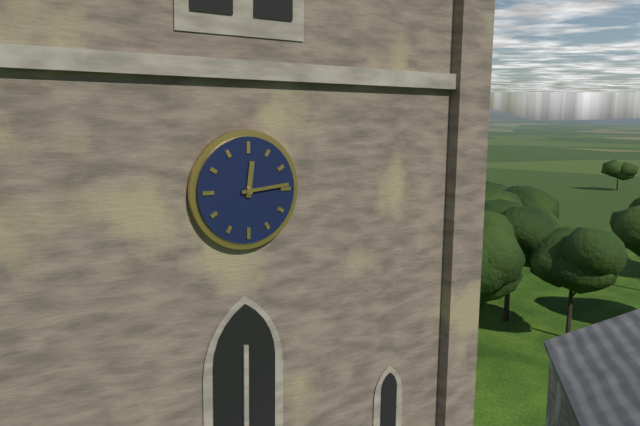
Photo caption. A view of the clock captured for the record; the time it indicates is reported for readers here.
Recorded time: 12:14
